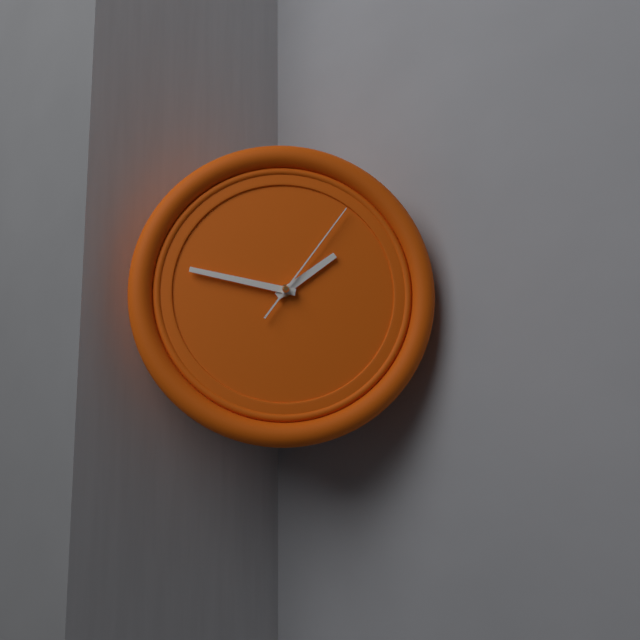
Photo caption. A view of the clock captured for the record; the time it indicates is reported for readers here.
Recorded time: 1:47:06
